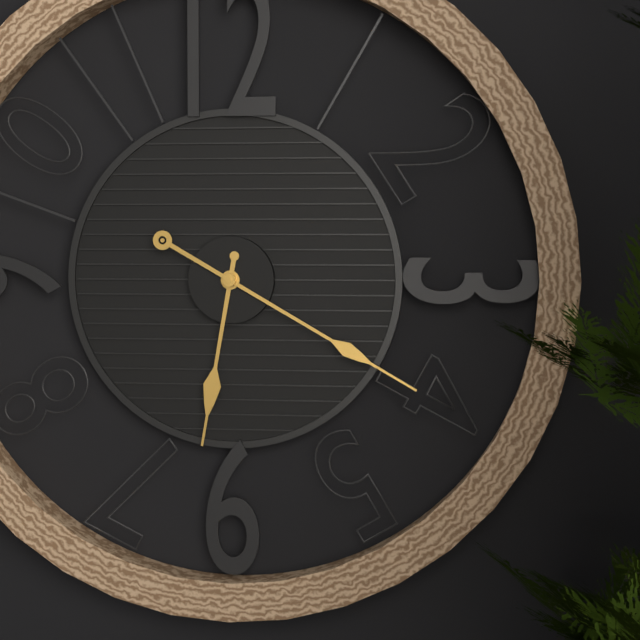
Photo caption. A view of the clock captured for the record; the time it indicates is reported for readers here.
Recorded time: 6:20
